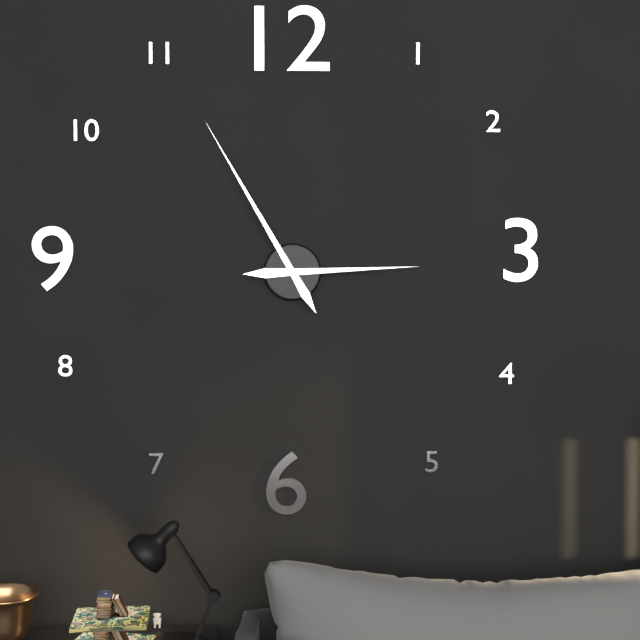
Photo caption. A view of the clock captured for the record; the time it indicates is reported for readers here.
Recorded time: 2:55
